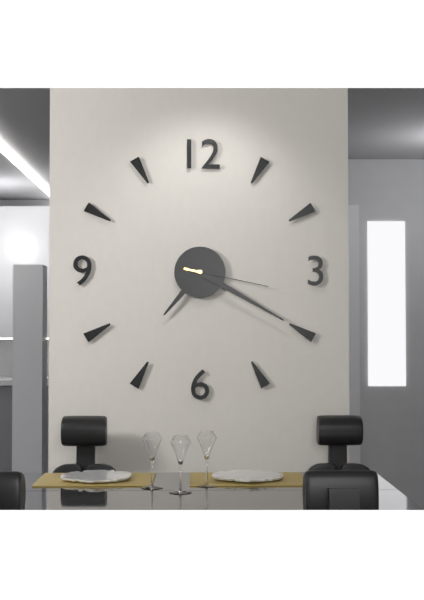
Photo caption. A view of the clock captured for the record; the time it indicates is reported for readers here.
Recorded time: 7:20:17
